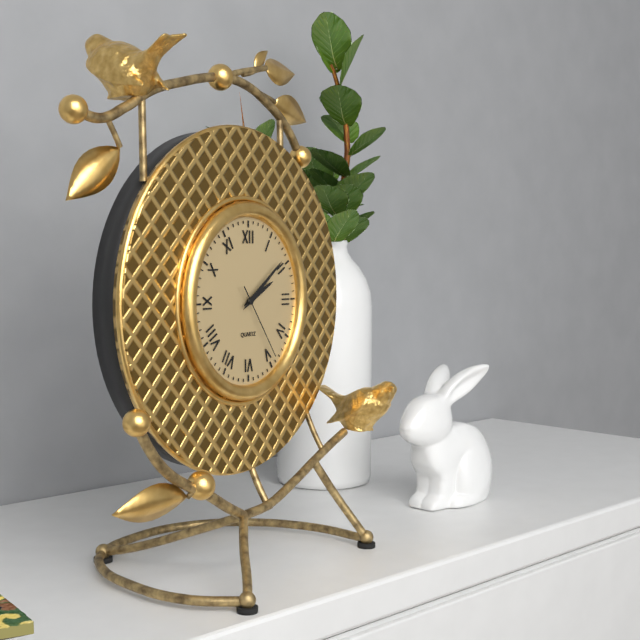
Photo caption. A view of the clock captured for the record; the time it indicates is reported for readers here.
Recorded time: 2:09:24
